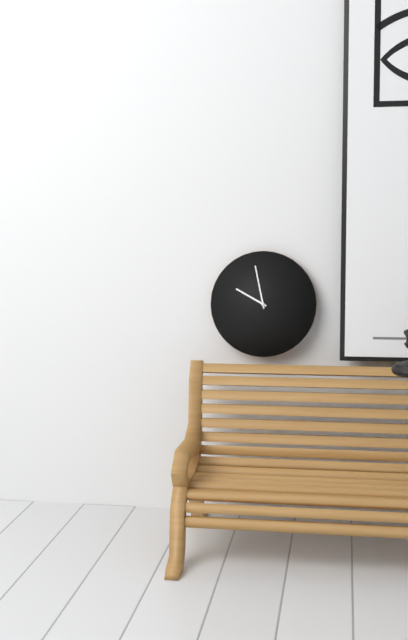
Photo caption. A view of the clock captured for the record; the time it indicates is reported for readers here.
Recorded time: 9:58
